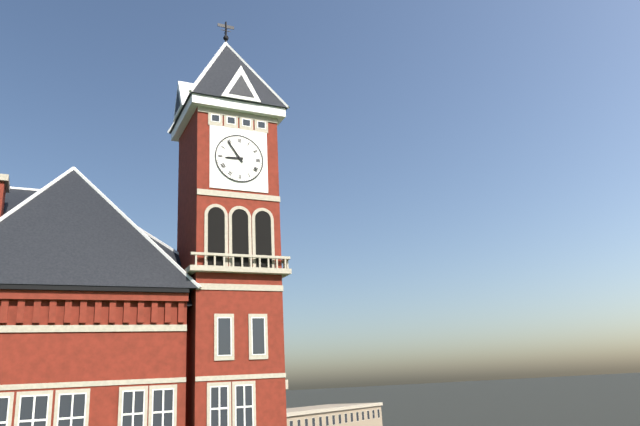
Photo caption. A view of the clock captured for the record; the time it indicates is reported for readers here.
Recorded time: 8:54
